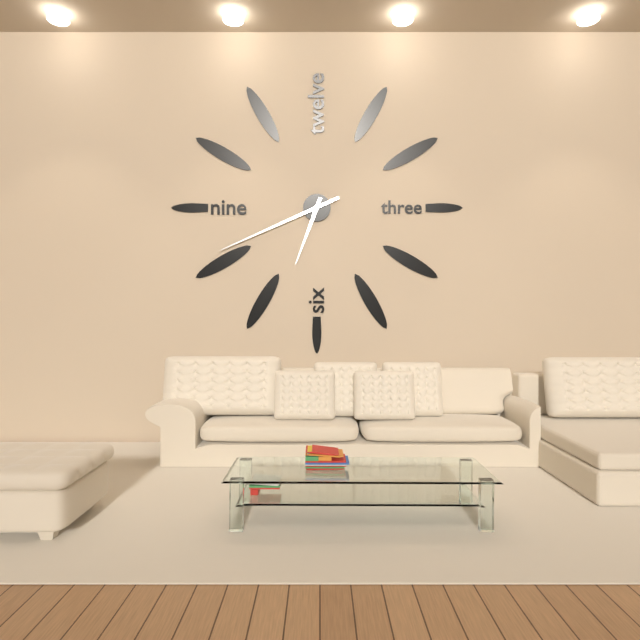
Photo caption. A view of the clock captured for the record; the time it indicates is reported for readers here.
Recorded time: 6:41
